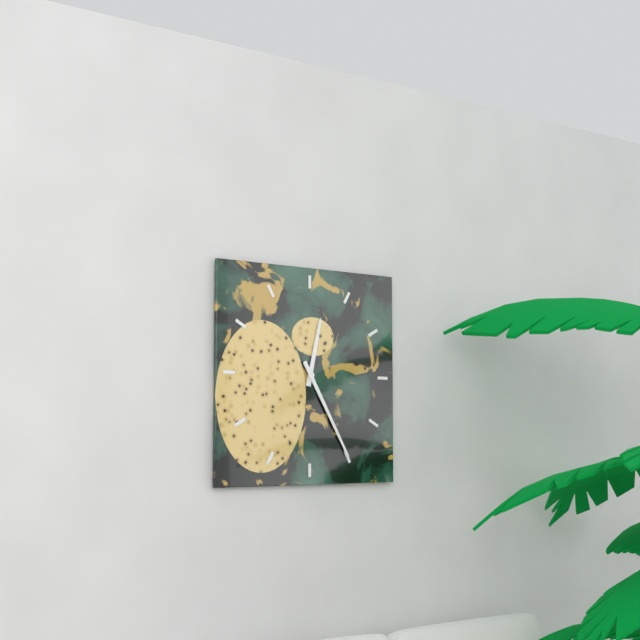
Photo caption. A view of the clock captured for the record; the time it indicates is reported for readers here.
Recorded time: 12:25
